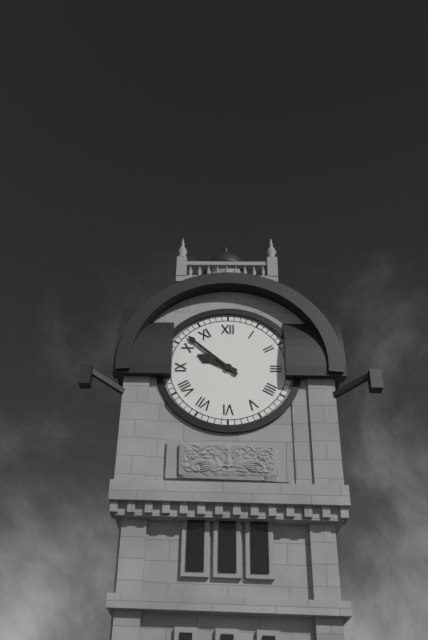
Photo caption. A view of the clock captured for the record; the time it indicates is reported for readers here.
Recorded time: 9:52
